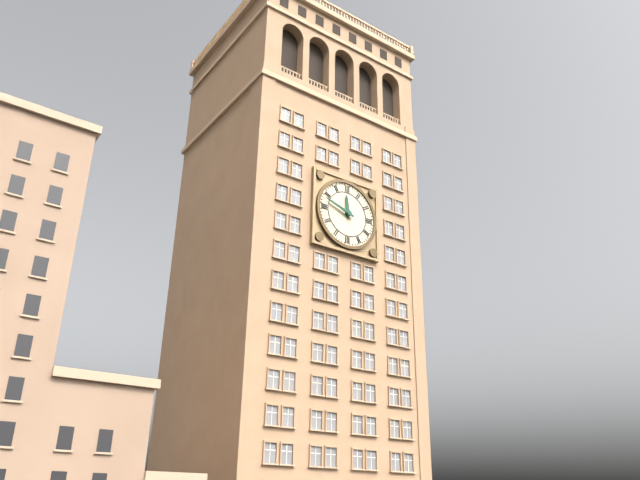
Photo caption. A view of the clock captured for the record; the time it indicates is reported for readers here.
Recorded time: 11:48
